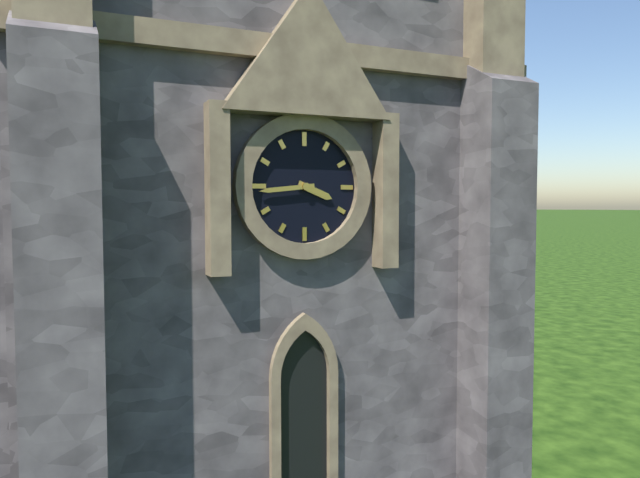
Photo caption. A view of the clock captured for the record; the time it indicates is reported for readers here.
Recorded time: 3:44
